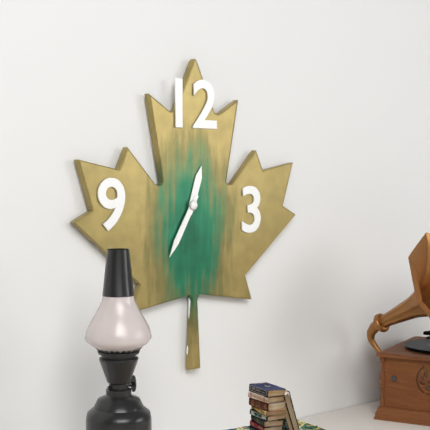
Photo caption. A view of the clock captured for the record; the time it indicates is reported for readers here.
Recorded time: 12:35
